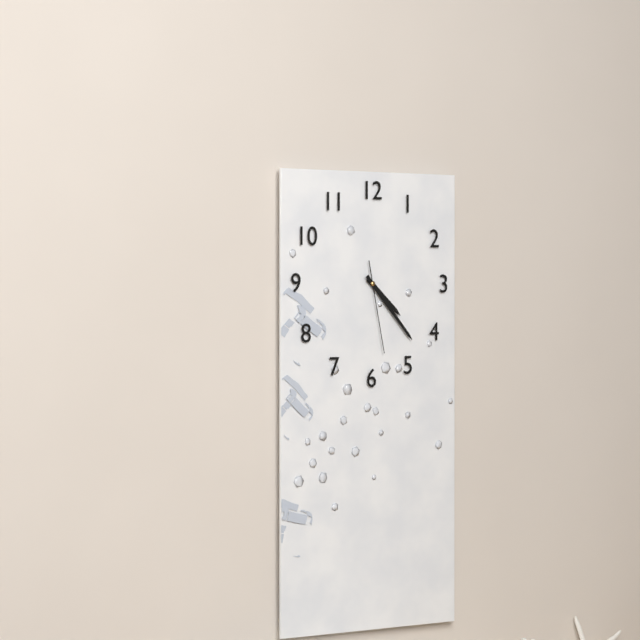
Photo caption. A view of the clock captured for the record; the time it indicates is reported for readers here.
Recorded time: 4:23:28
